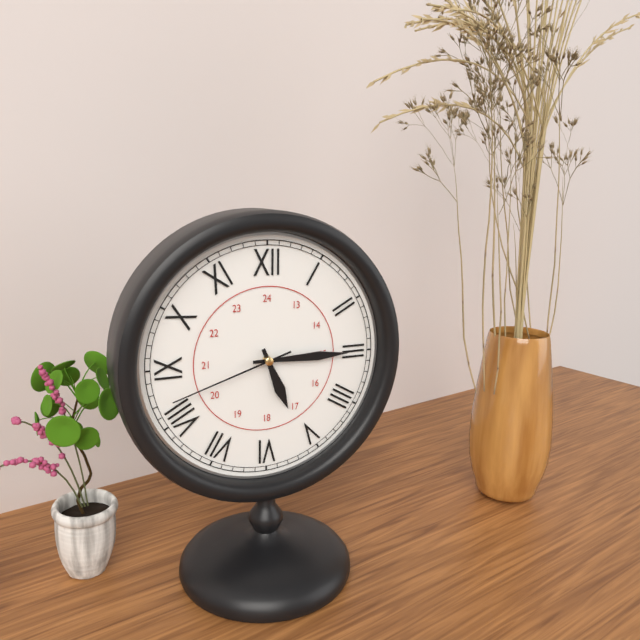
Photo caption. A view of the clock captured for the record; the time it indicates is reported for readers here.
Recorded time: 5:15:42
